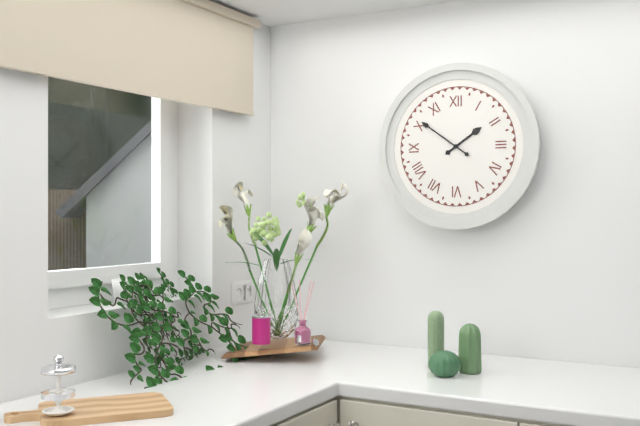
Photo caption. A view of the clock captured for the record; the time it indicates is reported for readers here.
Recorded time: 1:51
